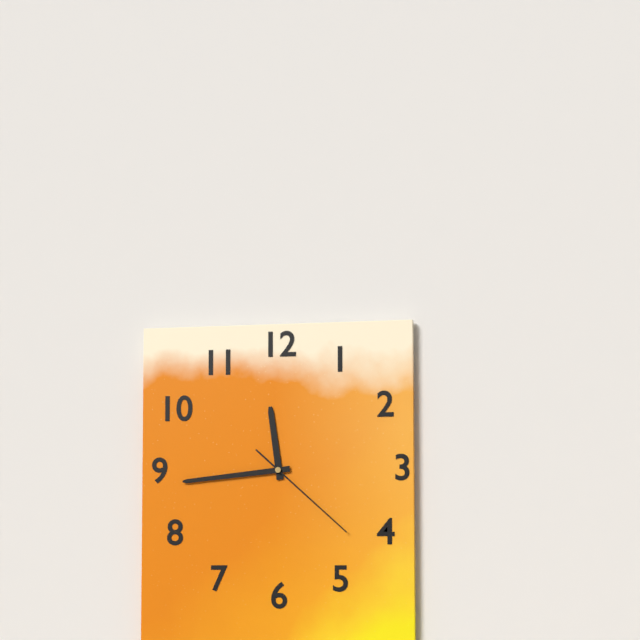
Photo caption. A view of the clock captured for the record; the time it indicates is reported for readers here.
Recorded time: 11:44:22
